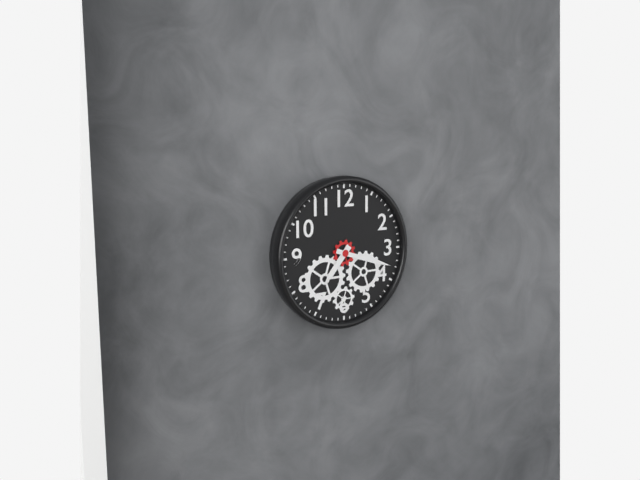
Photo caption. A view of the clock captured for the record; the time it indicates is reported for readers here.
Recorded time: 7:18
